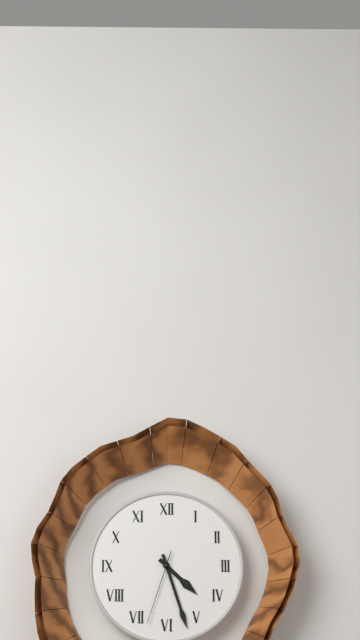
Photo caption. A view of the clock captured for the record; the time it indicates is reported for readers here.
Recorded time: 4:27:33
